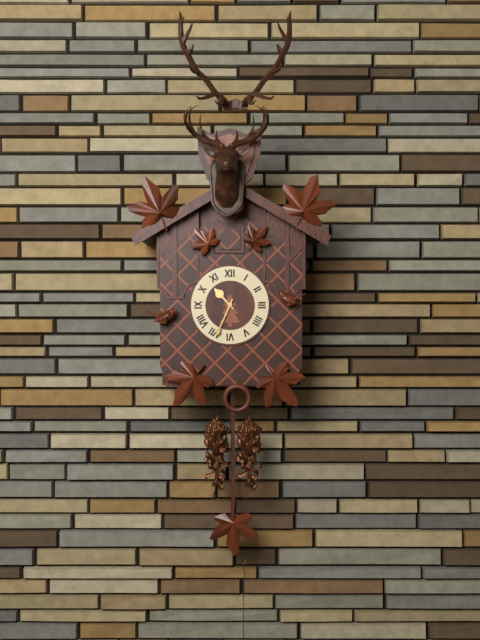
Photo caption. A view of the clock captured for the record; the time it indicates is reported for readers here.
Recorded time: 10:34
